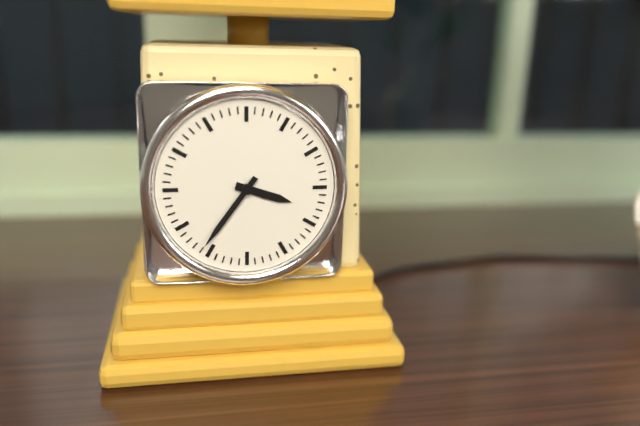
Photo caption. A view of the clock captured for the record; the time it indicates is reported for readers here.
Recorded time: 3:36
